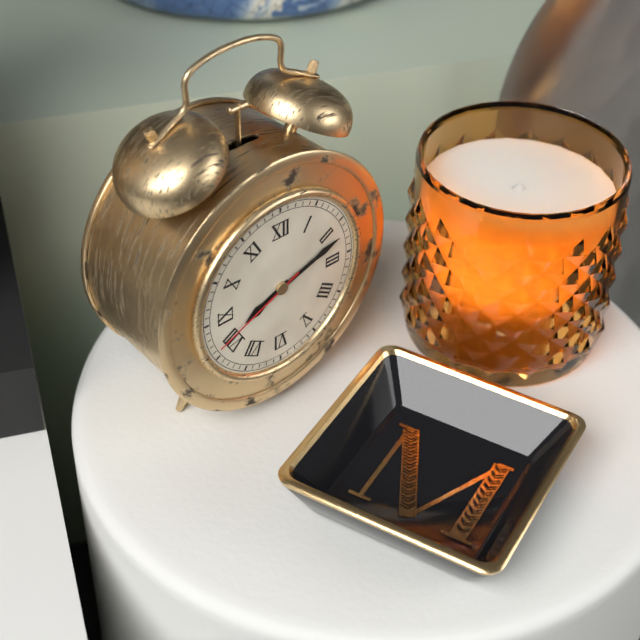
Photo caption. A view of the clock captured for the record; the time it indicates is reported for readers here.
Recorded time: 8:12:41
